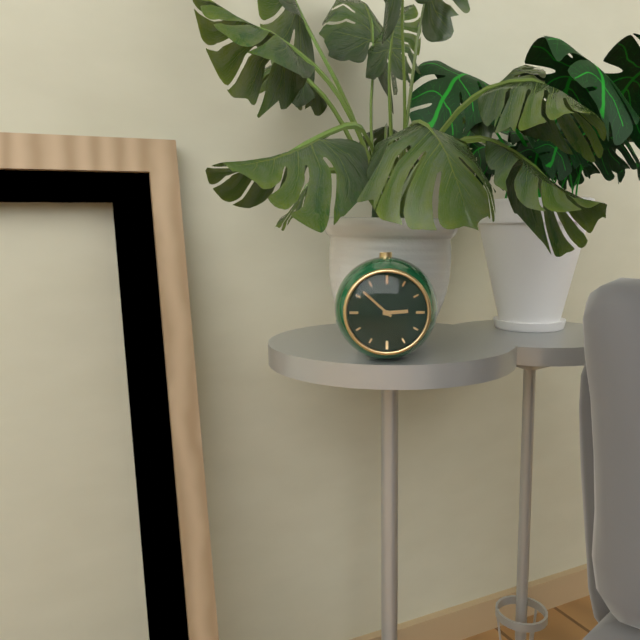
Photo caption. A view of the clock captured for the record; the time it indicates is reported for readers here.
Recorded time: 2:52
